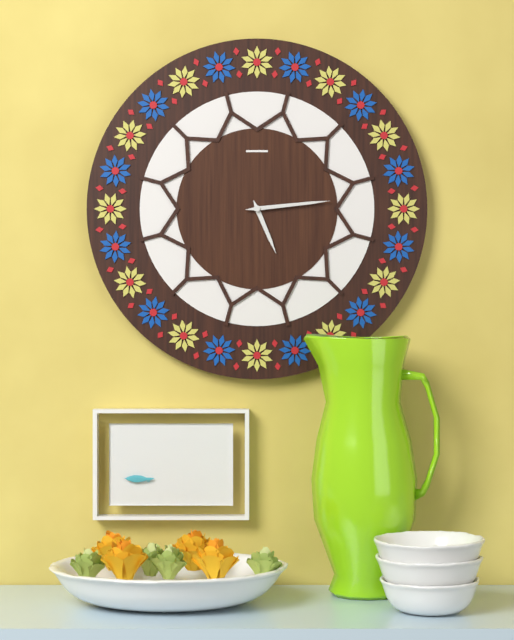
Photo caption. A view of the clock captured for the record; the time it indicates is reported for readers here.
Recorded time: 5:14
